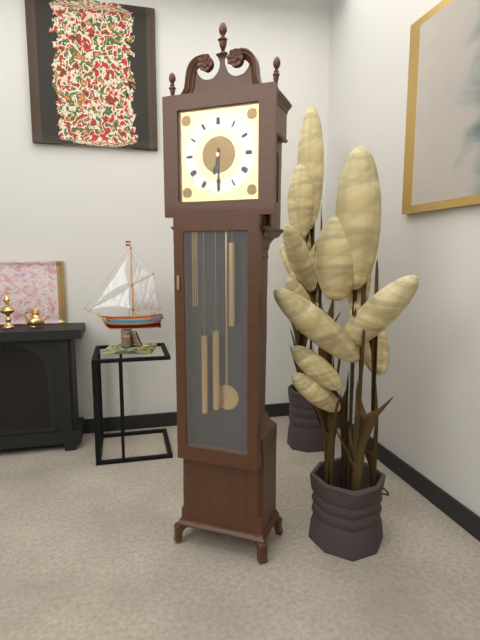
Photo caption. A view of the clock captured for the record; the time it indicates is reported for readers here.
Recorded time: 6:30
